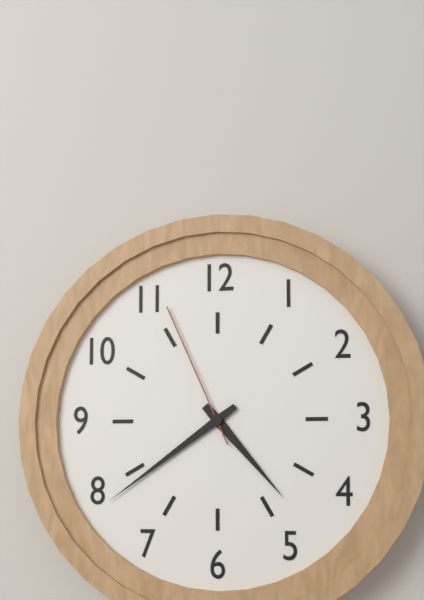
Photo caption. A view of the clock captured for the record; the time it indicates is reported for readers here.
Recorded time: 4:39:56
